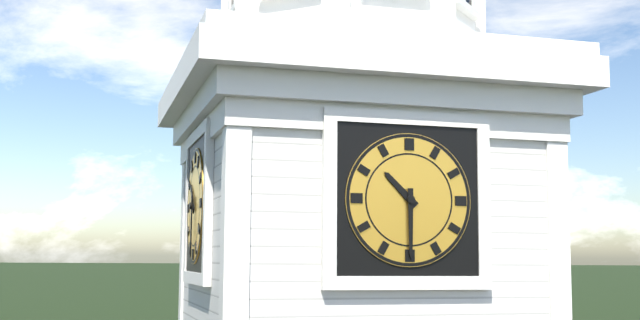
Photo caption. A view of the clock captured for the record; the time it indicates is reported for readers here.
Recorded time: 10:30
